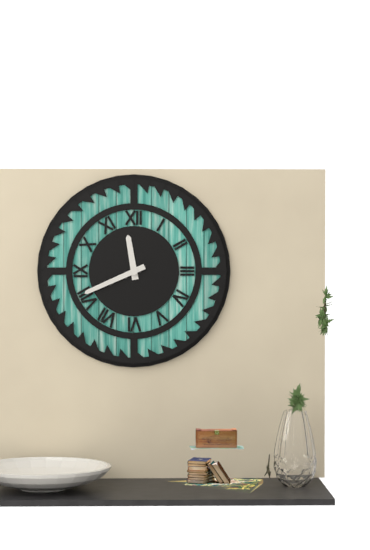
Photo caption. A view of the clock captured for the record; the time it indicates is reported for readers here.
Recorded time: 11:41
